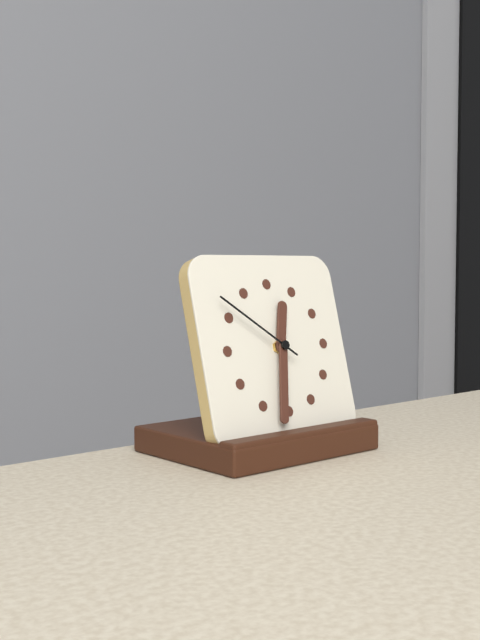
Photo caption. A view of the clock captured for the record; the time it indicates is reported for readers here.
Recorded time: 12:32:51
